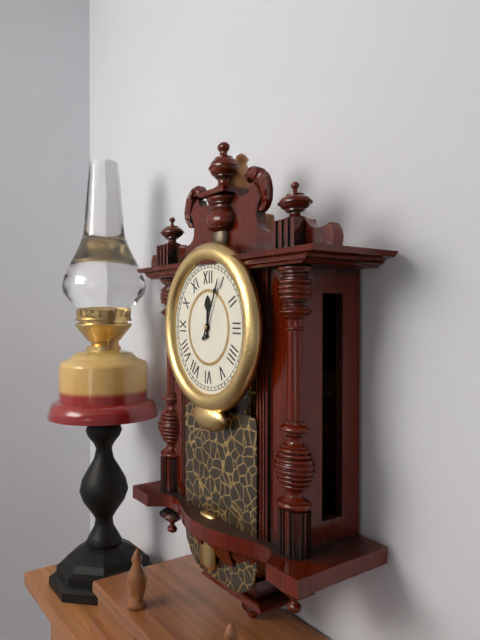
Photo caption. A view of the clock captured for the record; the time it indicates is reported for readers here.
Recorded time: 12:04
